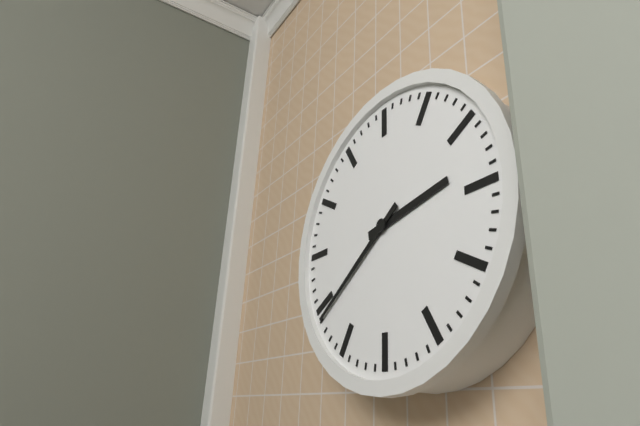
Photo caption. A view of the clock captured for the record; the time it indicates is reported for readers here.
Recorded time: 2:39
